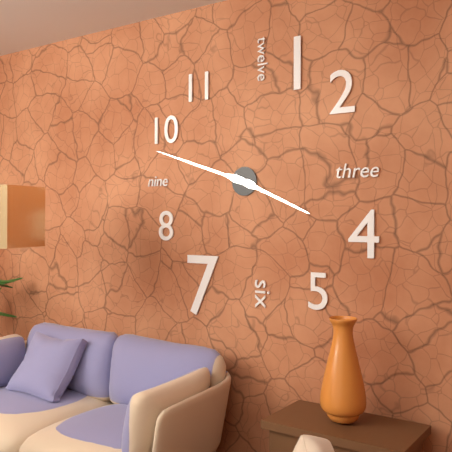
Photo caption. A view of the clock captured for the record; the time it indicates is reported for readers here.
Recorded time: 3:48
